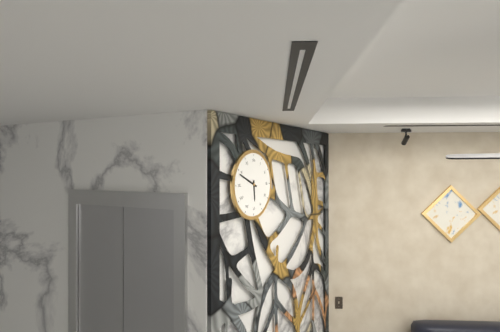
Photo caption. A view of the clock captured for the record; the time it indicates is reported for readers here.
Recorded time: 5:49
